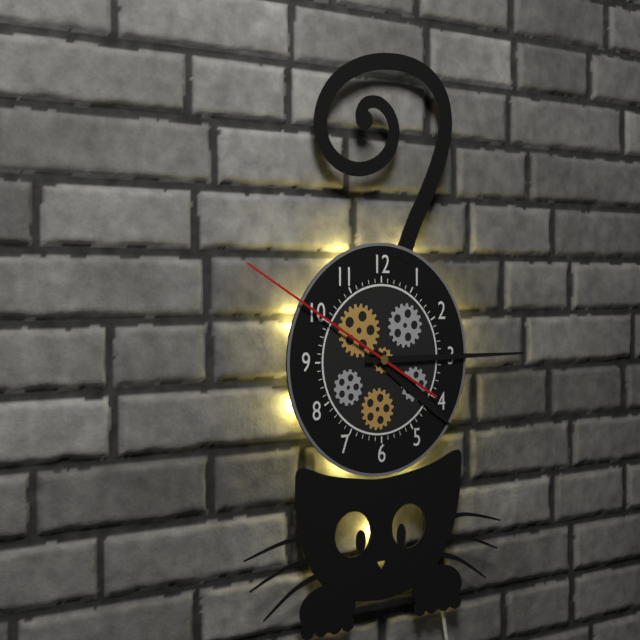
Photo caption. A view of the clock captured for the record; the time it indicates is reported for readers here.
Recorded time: 4:15:50
